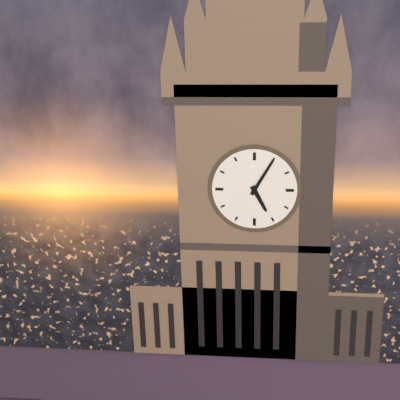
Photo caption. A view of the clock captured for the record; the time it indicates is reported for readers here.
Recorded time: 5:05
